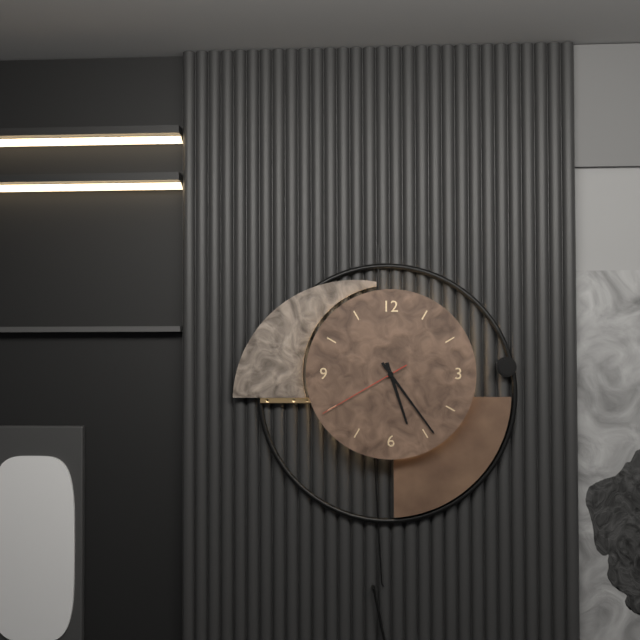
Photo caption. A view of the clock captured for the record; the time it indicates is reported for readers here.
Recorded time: 5:24:40
